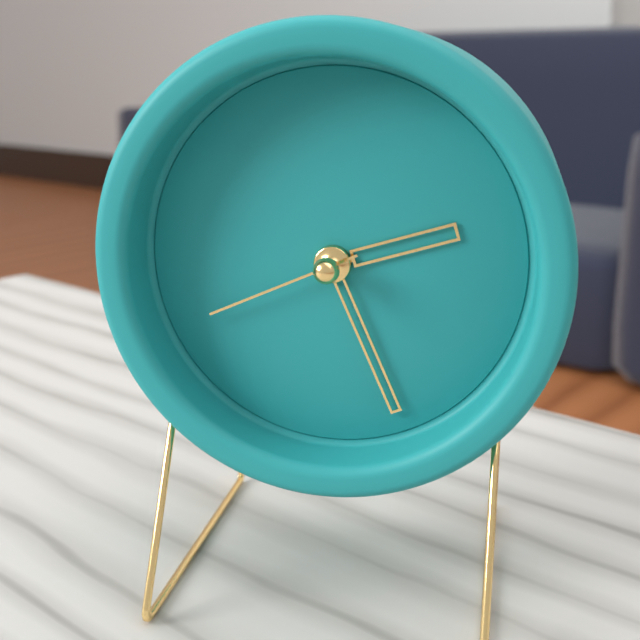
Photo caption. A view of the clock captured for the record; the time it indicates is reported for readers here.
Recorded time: 2:26:41
